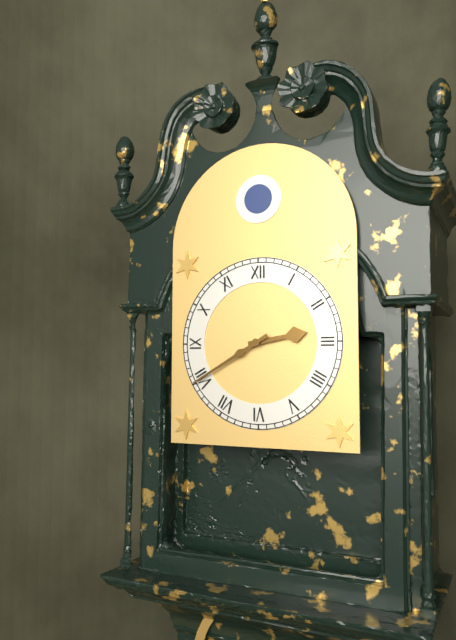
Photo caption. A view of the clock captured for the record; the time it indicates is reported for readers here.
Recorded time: 2:40
